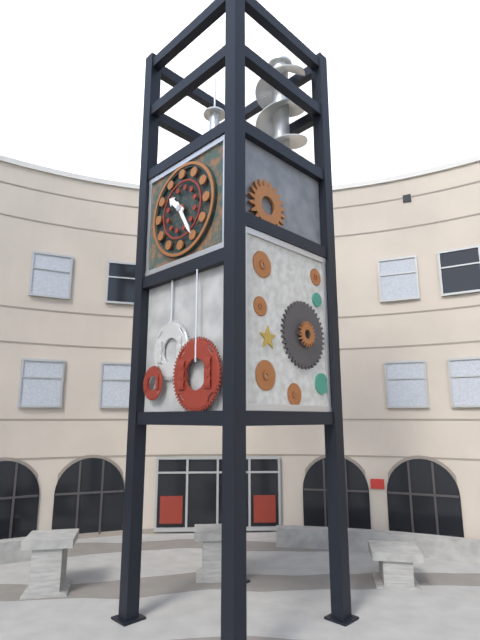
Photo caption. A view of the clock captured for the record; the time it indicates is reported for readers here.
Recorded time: 10:25
